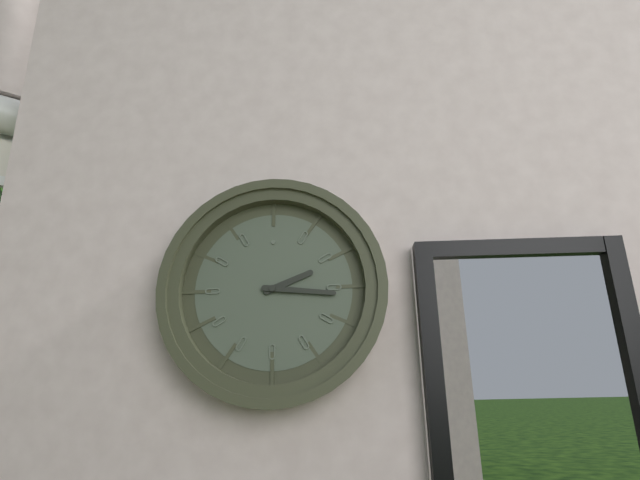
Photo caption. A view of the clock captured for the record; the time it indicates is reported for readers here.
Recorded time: 2:16
